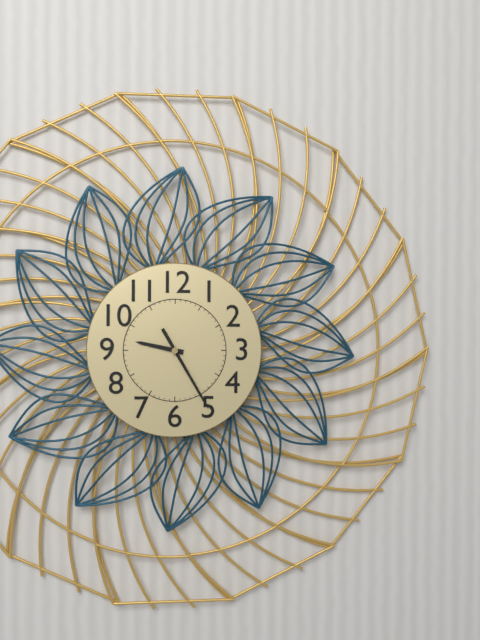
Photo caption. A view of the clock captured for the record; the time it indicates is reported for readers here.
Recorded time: 9:25
